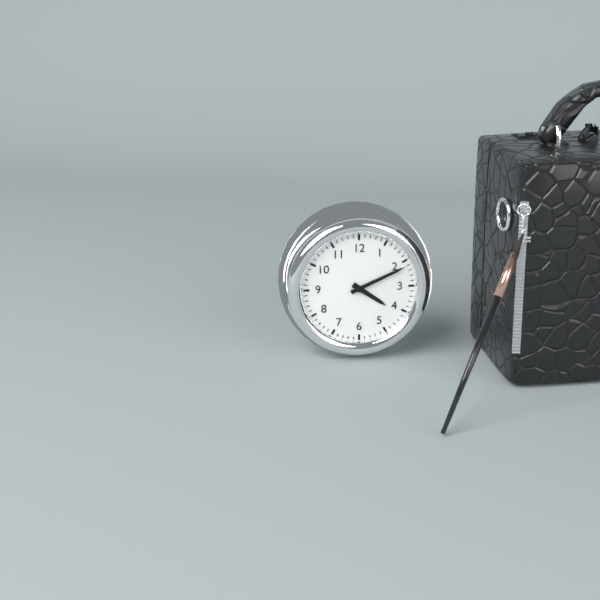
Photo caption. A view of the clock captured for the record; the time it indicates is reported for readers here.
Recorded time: 4:11
